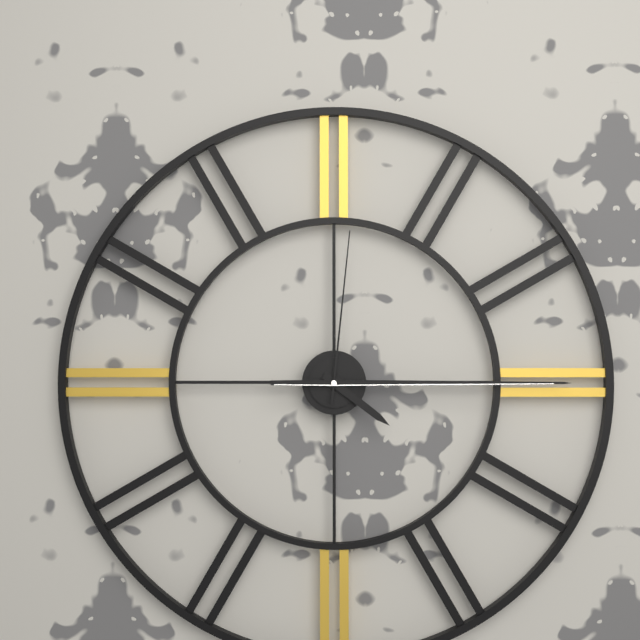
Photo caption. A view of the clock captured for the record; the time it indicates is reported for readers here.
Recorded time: 4:15:01
